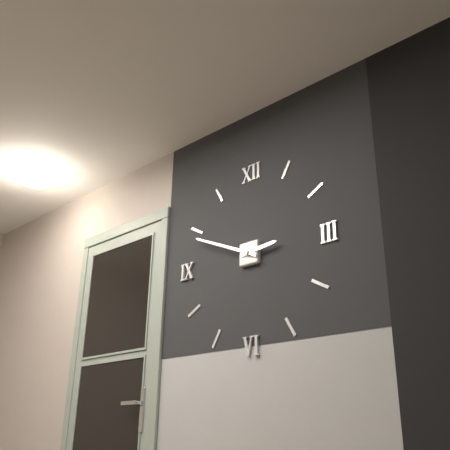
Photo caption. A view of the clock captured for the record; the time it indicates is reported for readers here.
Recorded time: 2:49
